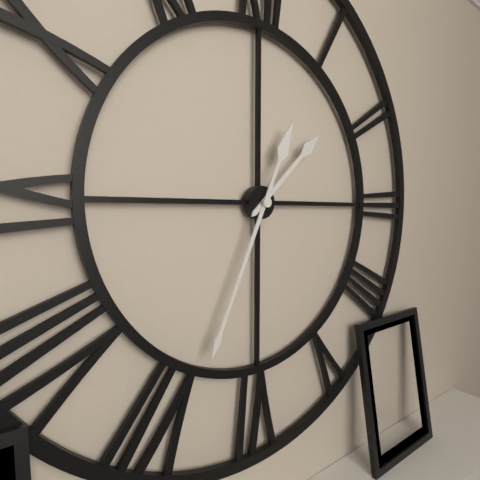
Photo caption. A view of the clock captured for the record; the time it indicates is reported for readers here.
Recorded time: 1:34
